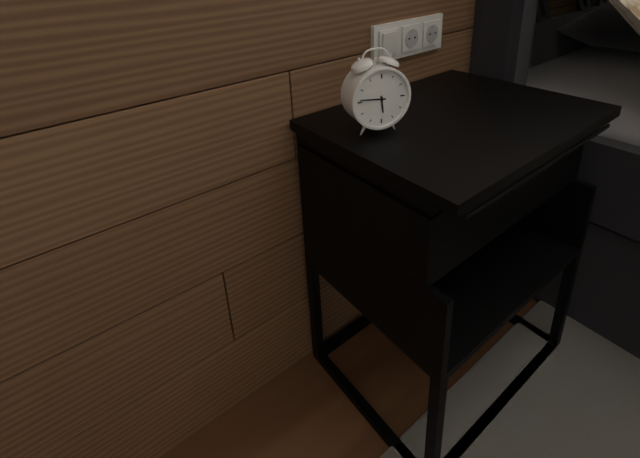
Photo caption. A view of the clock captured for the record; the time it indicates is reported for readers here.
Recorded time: 5:46
